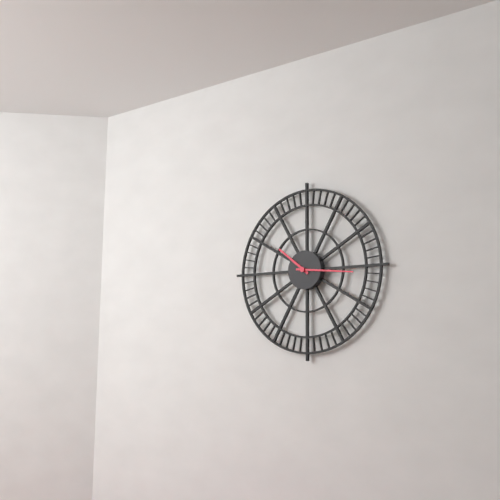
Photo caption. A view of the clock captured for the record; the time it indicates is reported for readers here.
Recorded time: 10:16
